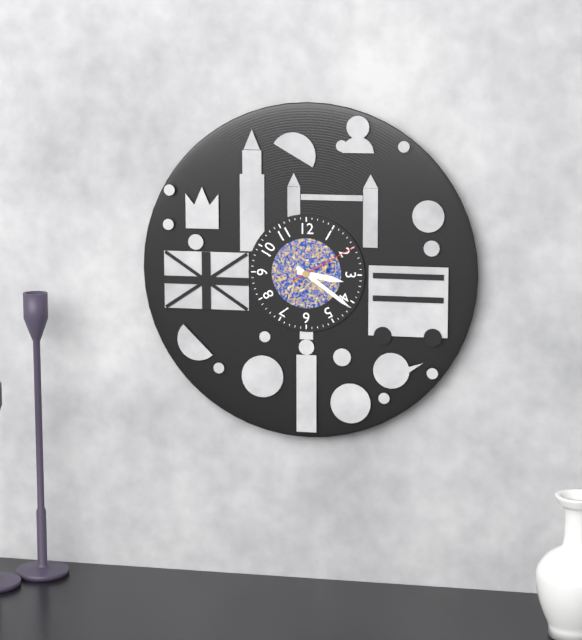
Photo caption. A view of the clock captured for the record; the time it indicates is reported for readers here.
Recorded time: 3:21:10
